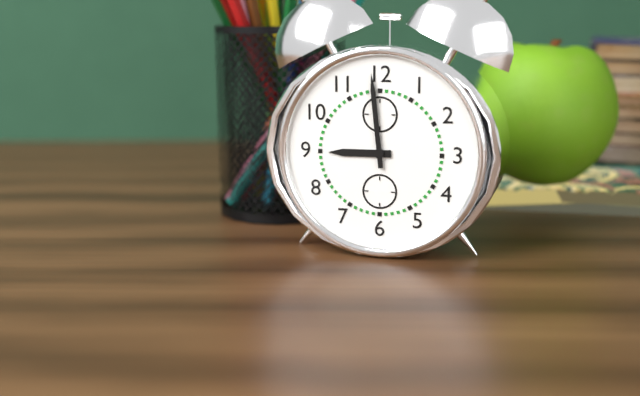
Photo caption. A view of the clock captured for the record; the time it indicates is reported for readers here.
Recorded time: 8:59
